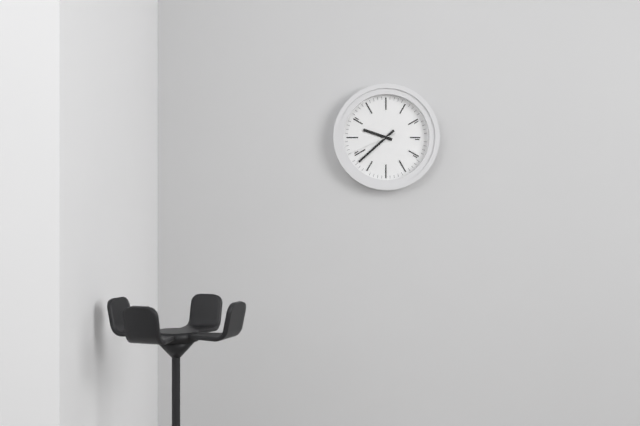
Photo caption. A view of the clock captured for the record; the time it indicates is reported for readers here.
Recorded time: 9:38
